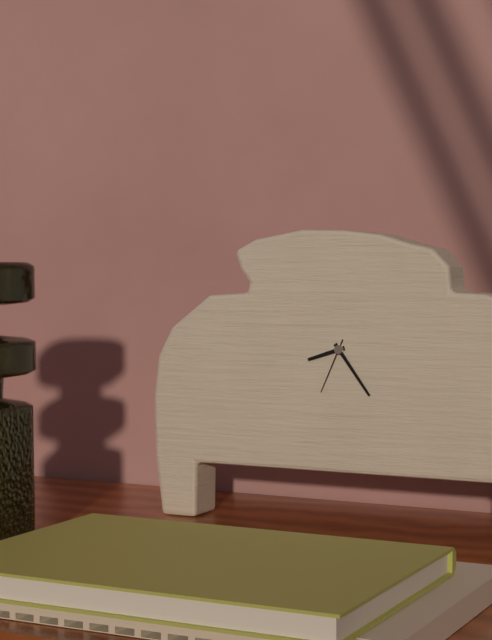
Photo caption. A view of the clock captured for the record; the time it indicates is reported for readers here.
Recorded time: 8:24:34
